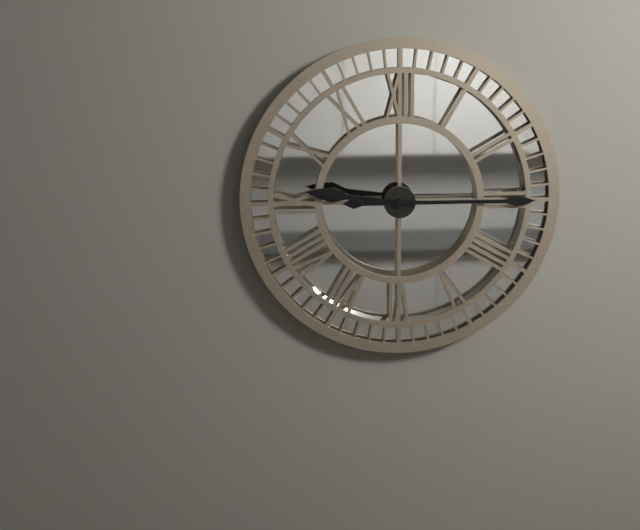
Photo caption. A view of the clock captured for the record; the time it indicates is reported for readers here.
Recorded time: 9:15
